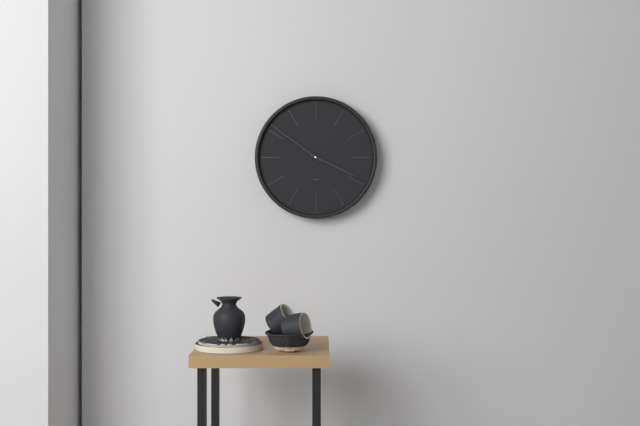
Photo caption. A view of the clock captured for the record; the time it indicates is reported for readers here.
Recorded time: 3:51
